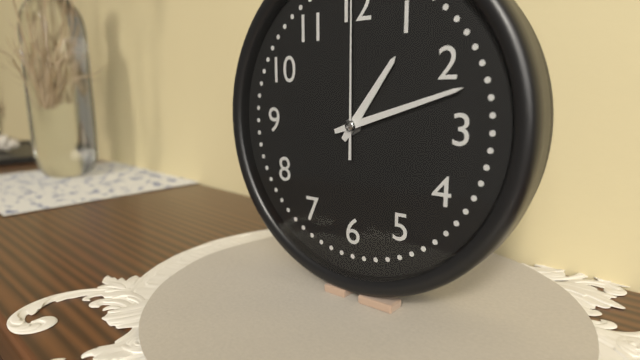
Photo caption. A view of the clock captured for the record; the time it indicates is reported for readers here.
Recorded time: 1:12
